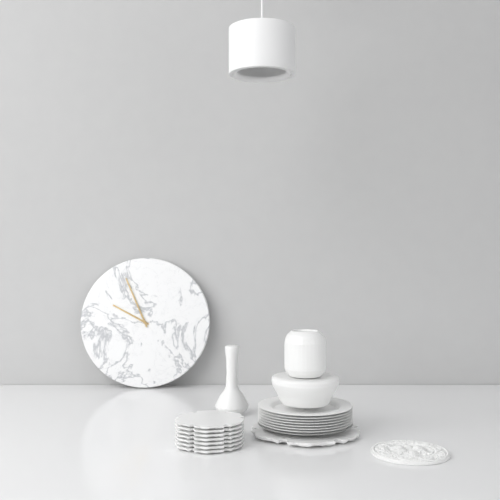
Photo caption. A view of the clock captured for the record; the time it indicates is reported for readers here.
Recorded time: 9:56
